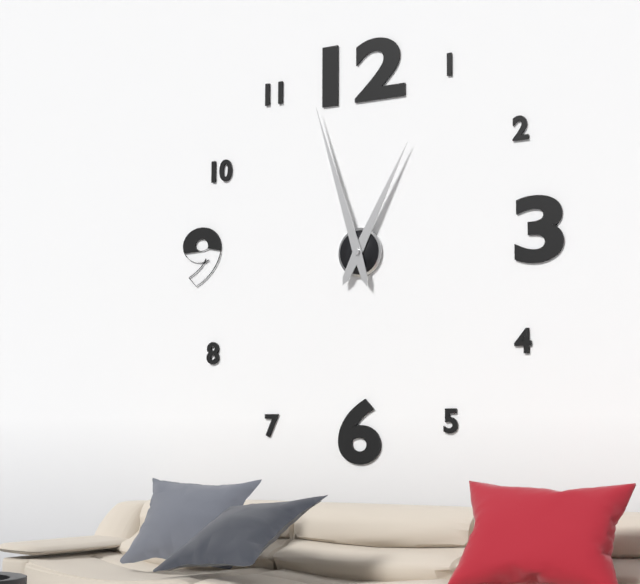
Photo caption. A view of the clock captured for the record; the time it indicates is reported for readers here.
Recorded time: 12:57
